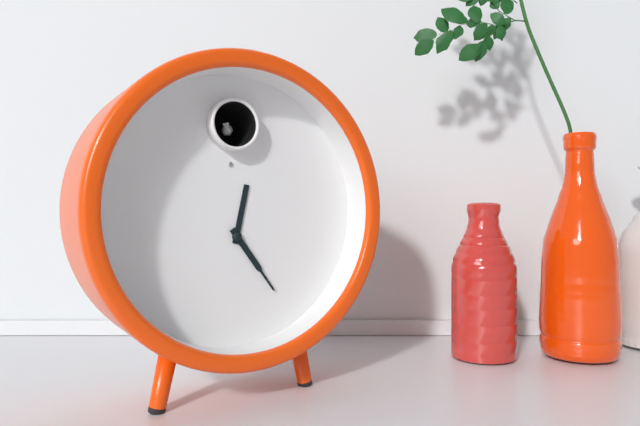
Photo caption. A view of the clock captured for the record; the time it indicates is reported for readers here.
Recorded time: 12:24
